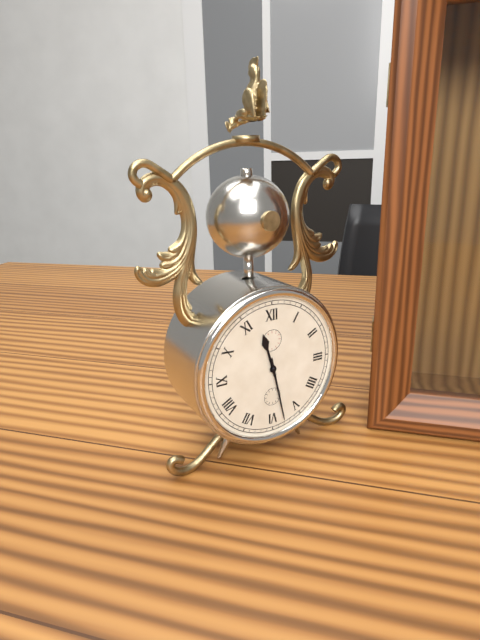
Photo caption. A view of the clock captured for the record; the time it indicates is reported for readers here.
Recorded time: 11:28
